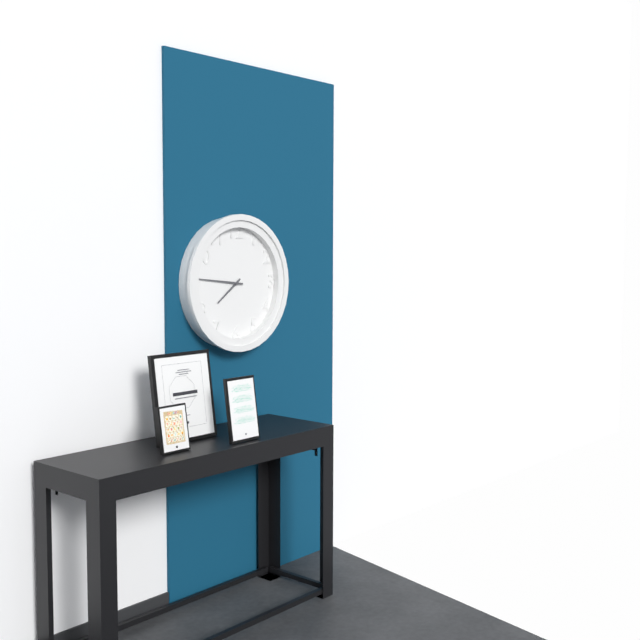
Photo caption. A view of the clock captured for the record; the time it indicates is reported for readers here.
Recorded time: 7:46
